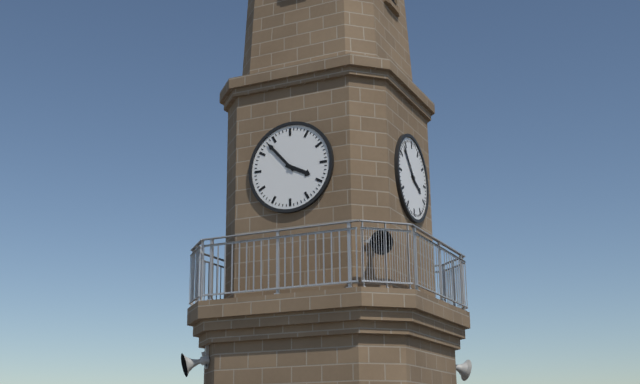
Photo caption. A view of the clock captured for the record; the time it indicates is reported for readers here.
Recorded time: 3:53
